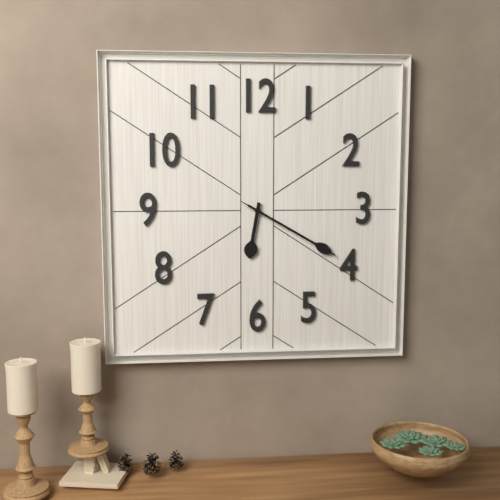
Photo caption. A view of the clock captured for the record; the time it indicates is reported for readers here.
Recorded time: 6:20:20
